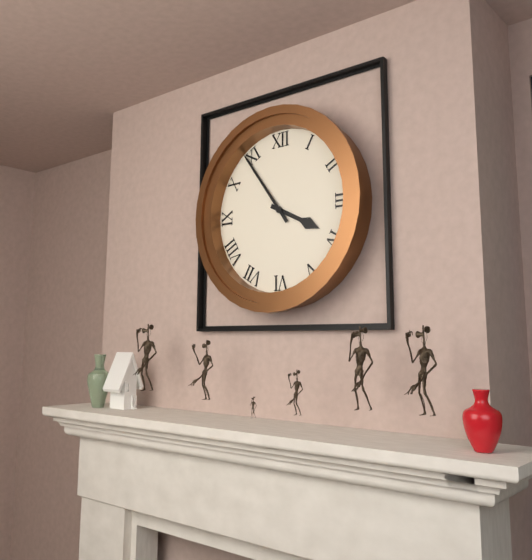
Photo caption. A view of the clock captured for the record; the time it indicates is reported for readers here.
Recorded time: 3:54
